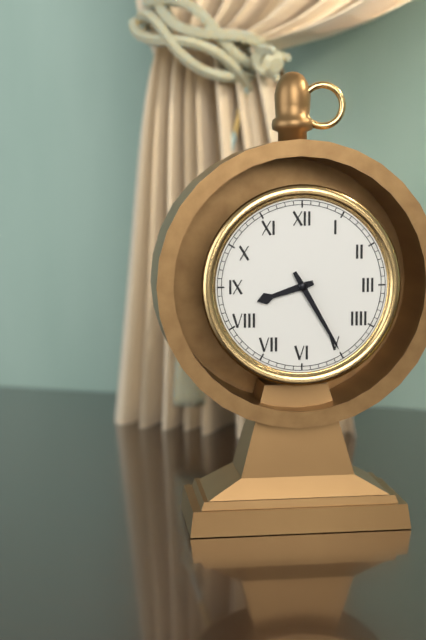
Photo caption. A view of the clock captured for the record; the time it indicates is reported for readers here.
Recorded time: 8:25
